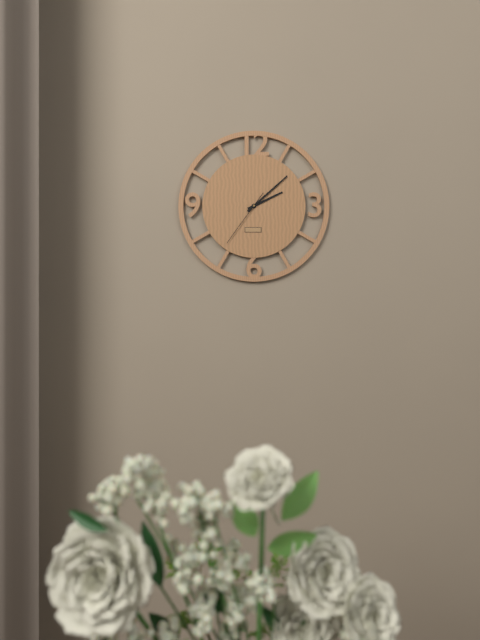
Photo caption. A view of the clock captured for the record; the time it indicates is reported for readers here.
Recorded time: 2:08:36
